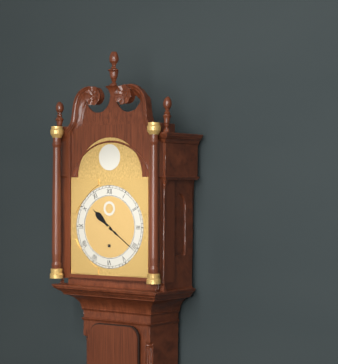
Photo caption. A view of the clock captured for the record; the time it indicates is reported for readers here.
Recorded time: 10:21
